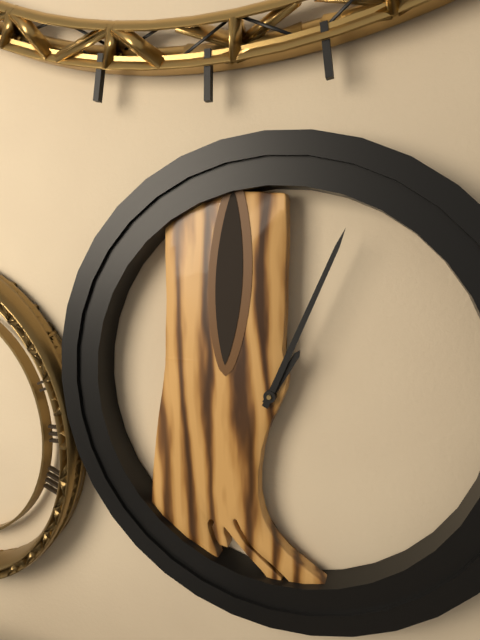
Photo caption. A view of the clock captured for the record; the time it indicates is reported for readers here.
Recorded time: 1:04
